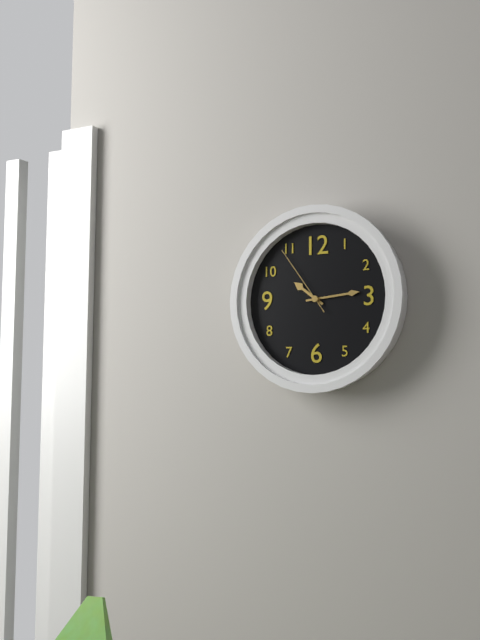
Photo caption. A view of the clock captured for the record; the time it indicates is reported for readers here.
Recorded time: 10:14:54
